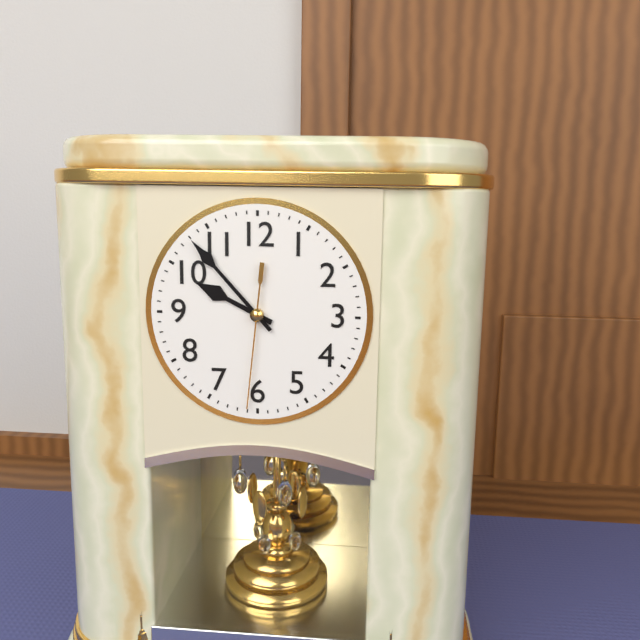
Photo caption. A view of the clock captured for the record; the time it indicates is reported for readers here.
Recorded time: 9:53:31
